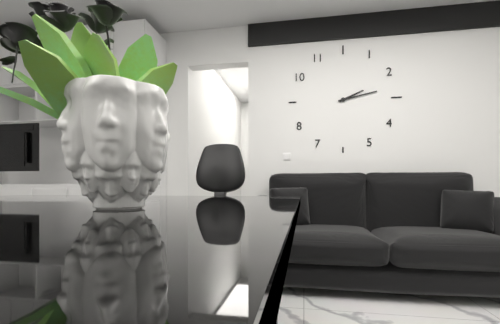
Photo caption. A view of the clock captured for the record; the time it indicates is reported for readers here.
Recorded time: 2:13
